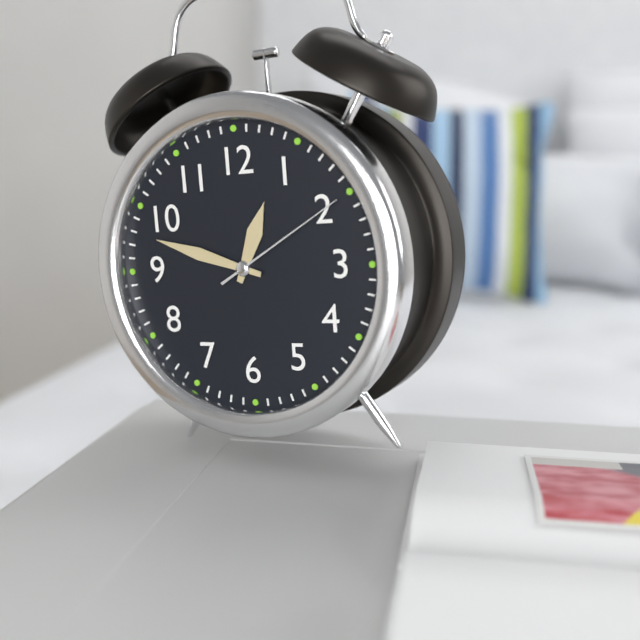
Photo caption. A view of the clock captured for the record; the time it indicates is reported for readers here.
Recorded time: 12:48:10
